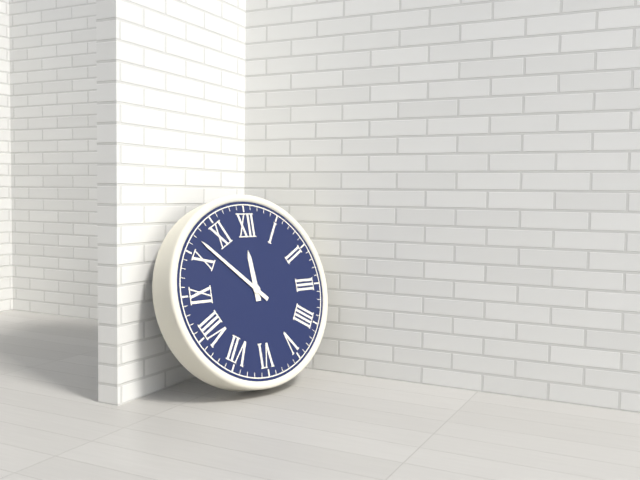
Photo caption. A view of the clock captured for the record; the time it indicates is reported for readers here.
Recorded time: 11:52
